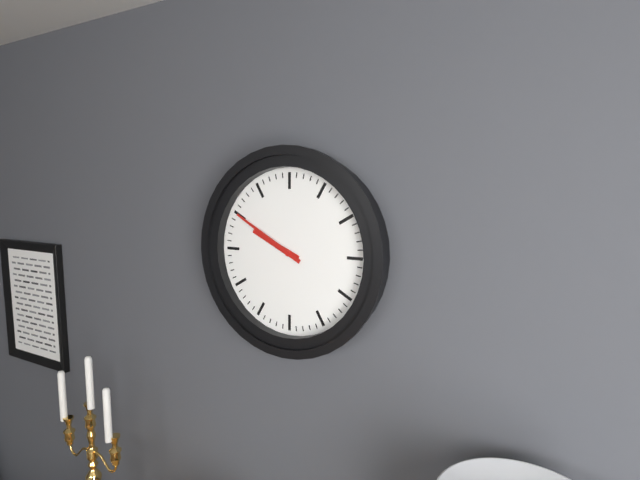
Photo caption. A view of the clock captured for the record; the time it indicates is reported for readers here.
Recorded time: 9:50
